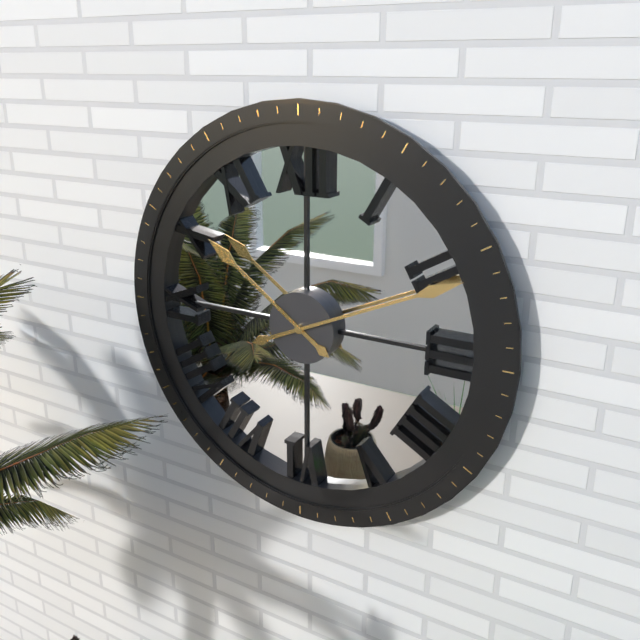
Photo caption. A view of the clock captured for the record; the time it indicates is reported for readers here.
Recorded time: 10:11
